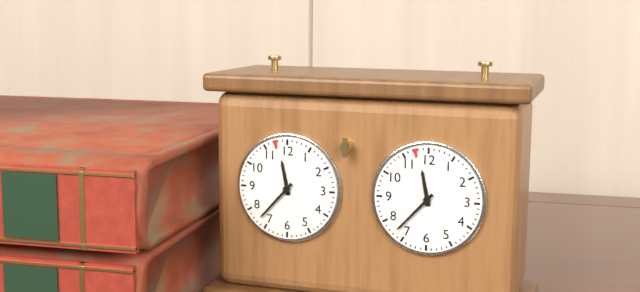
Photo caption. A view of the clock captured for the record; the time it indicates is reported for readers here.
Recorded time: 11:37
